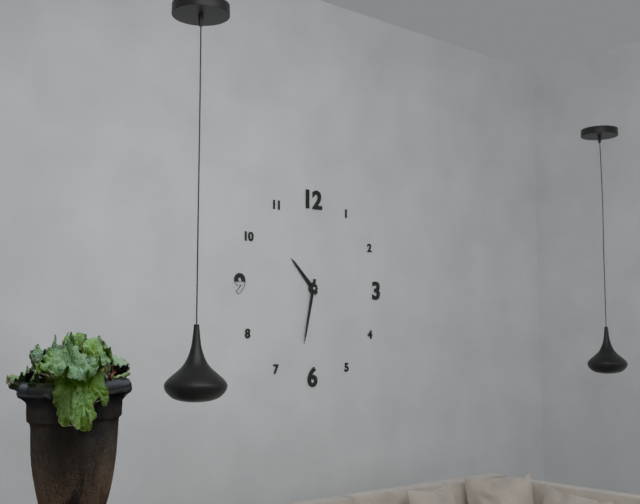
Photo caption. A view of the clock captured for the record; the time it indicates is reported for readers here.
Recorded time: 10:32
